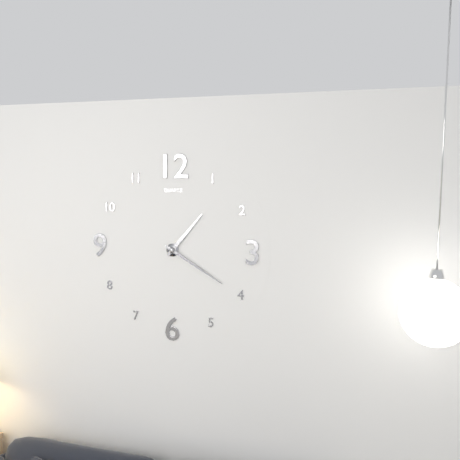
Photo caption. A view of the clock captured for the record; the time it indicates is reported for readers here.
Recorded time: 1:20
